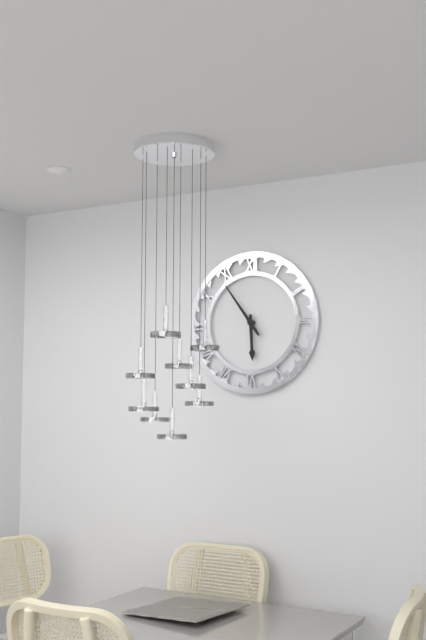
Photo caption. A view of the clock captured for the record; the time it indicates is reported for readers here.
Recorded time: 5:54
